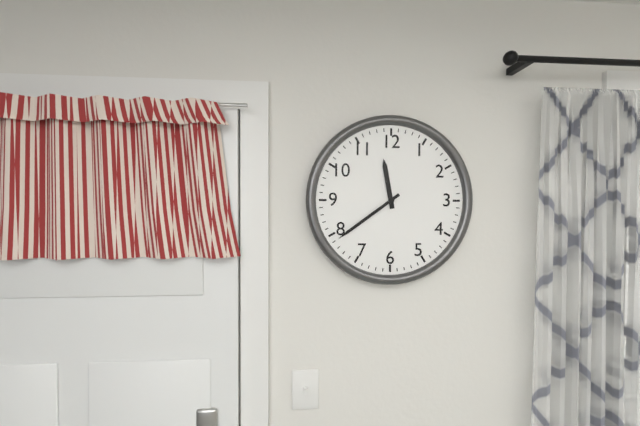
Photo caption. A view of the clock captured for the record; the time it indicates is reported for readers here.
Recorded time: 11:39
